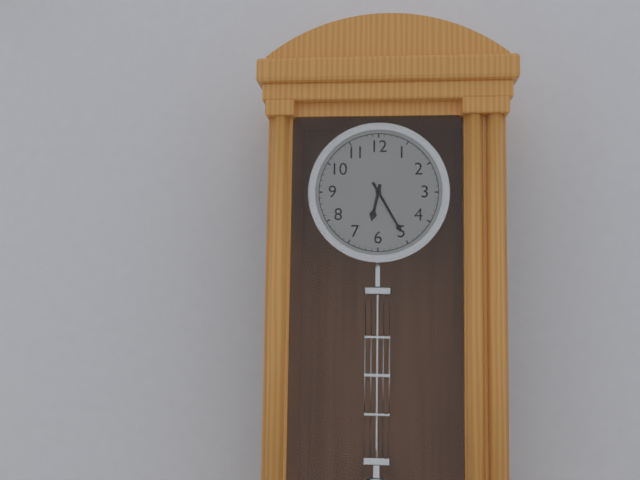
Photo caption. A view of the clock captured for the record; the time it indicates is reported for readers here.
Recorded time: 6:25
